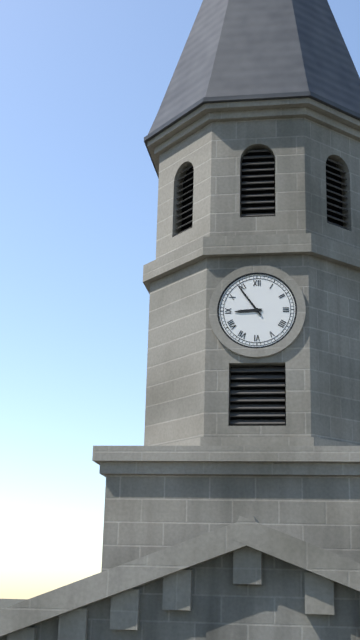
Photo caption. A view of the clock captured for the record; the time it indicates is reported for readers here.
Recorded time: 8:54
